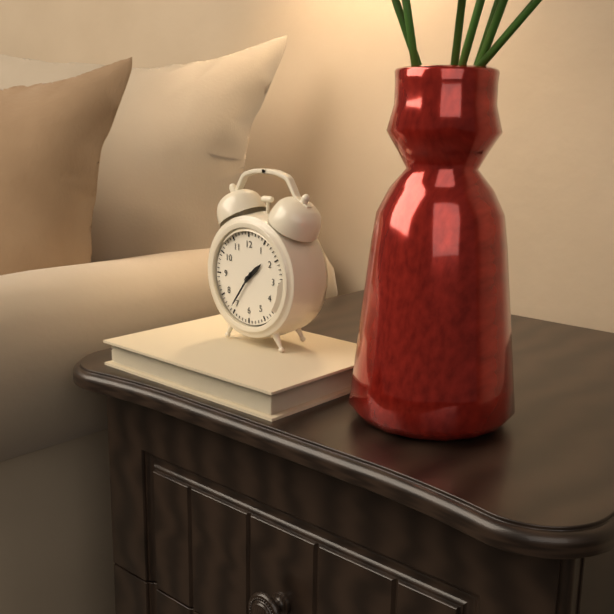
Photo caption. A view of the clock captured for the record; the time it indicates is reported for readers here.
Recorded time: 1:36
